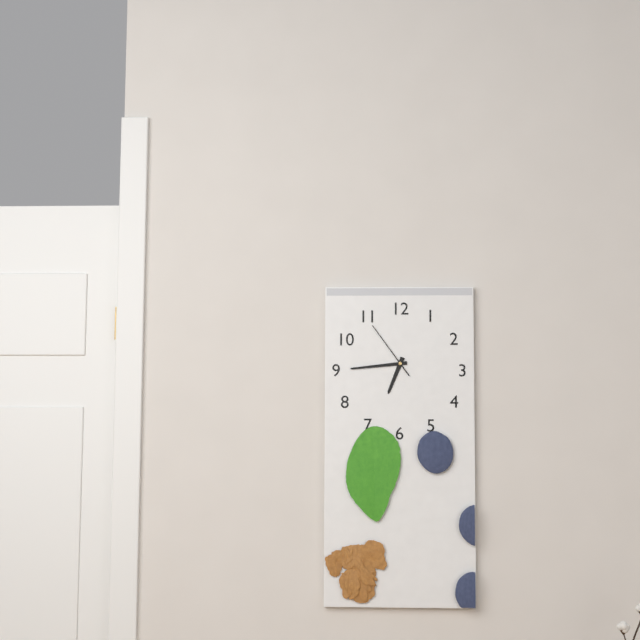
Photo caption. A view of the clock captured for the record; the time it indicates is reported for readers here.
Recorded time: 6:44:54
